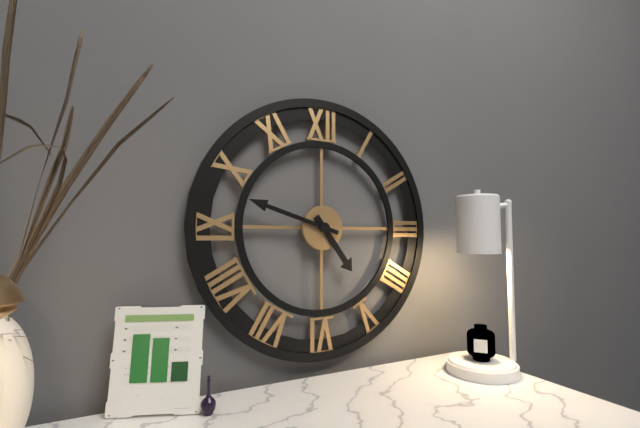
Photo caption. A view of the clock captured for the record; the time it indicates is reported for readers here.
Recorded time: 4:48
